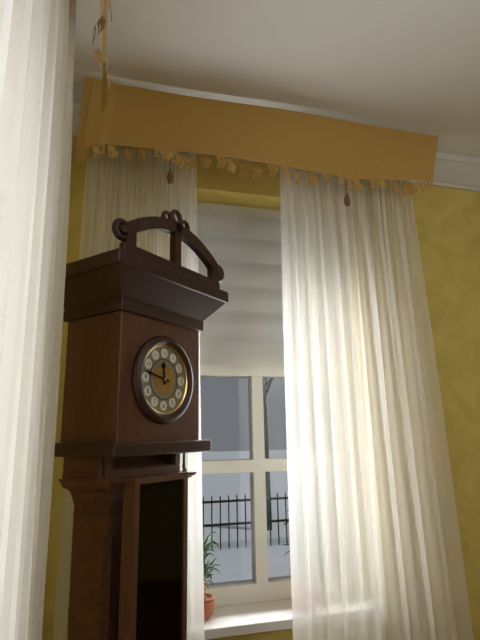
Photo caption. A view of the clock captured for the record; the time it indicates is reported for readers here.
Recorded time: 11:47
